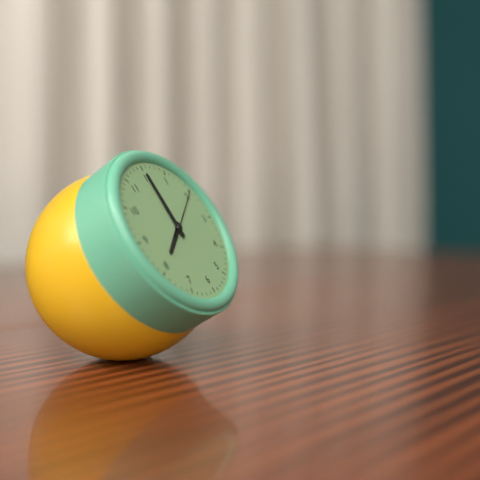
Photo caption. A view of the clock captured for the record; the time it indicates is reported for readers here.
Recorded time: 8:00
